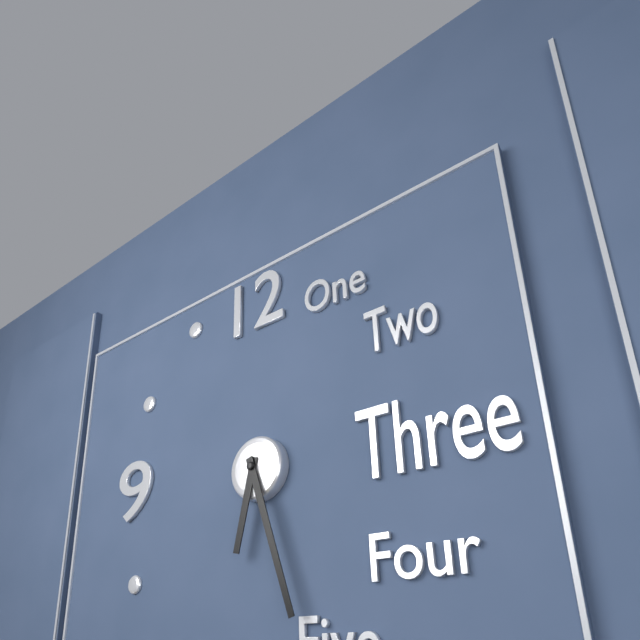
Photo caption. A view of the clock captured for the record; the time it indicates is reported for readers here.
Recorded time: 6:27
